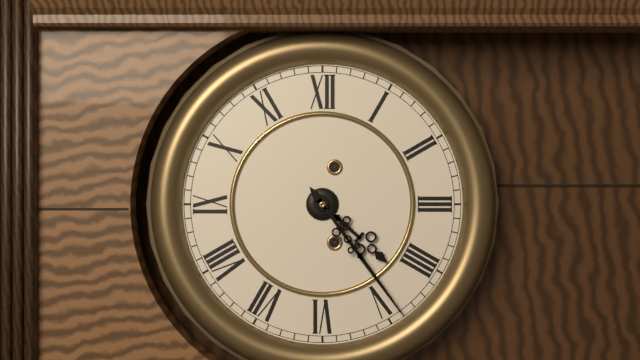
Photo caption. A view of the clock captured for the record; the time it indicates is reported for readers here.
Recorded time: 4:24
